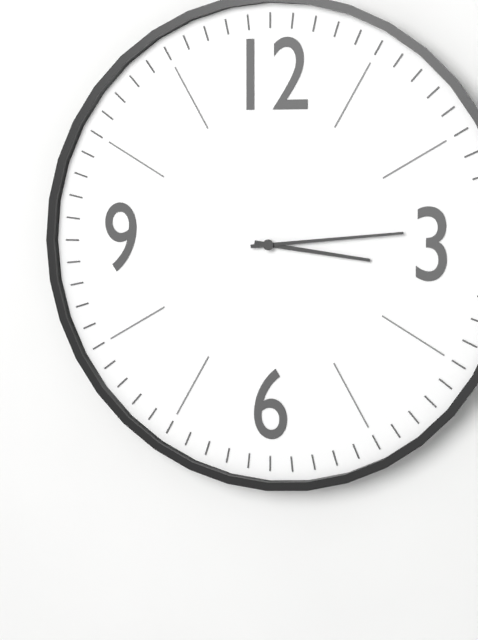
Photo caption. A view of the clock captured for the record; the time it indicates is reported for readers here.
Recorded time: 3:14
